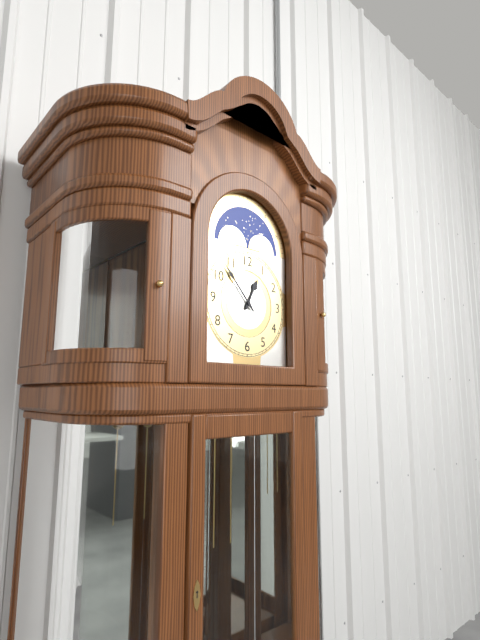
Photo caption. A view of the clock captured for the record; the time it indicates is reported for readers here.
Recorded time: 12:53
